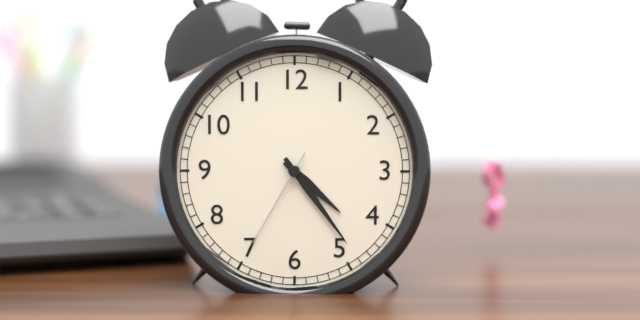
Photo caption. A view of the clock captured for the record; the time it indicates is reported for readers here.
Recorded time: 4:24:35
